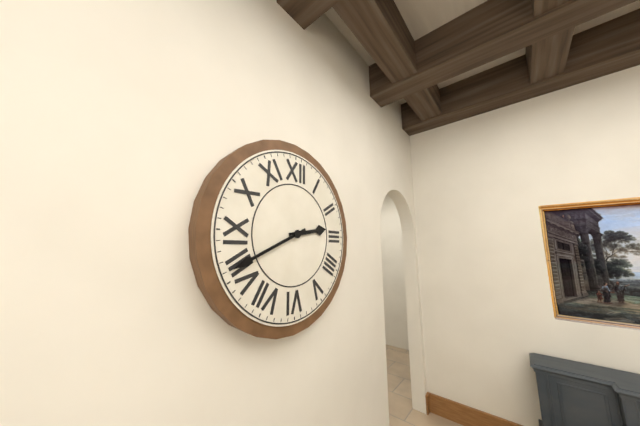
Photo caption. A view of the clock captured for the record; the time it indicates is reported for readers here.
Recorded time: 2:41
